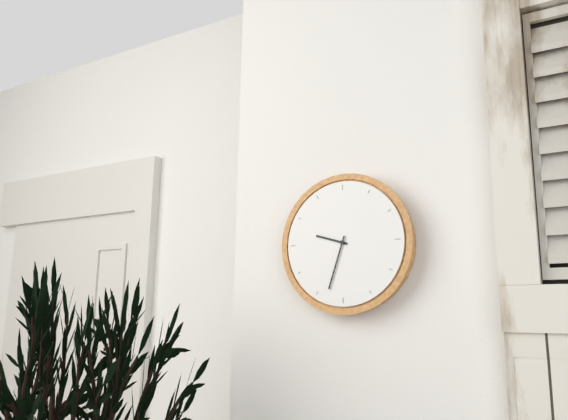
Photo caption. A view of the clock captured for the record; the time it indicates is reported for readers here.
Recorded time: 9:33
